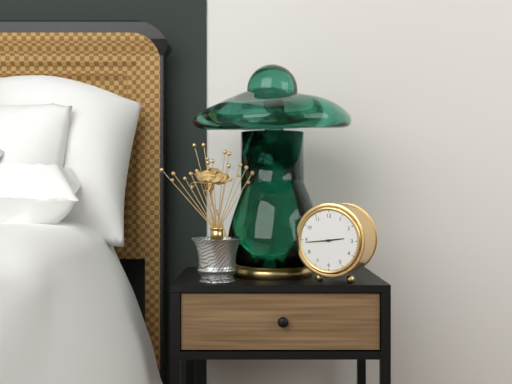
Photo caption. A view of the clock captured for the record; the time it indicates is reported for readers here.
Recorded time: 2:44
